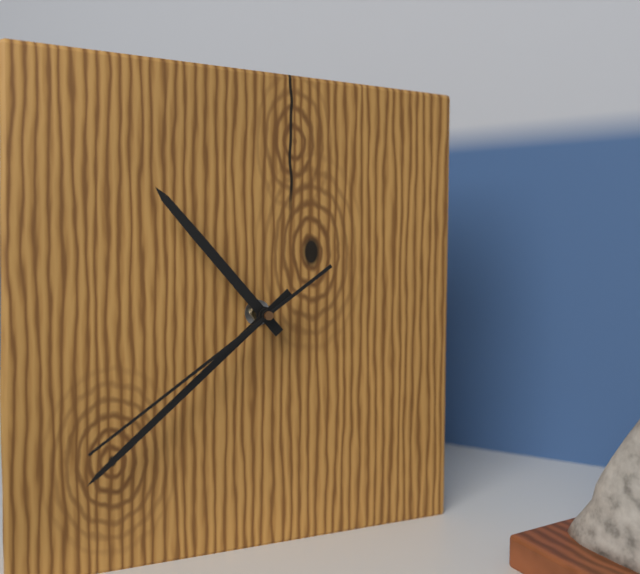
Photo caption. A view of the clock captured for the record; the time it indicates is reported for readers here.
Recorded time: 10:38:39
